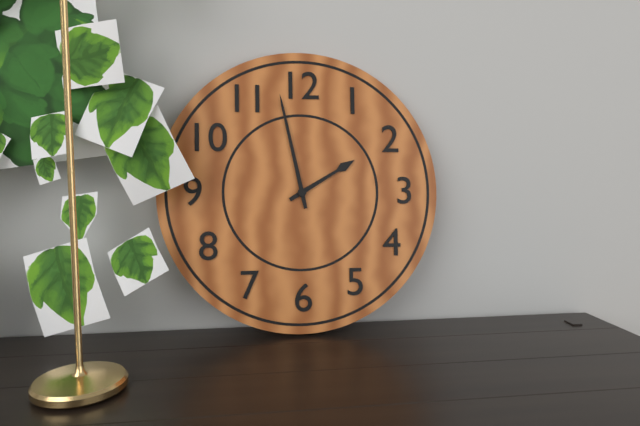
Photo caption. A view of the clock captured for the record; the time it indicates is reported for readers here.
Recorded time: 1:58
